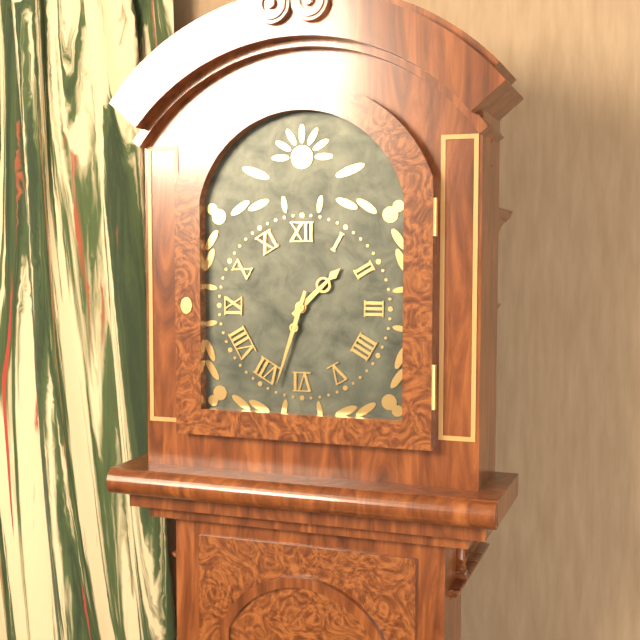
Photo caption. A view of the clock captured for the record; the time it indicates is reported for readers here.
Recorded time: 1:33
